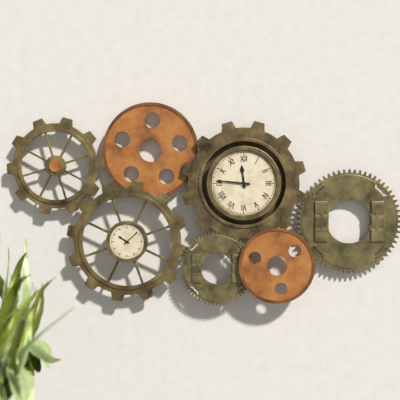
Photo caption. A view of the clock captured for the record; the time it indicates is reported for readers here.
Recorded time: 11:46
